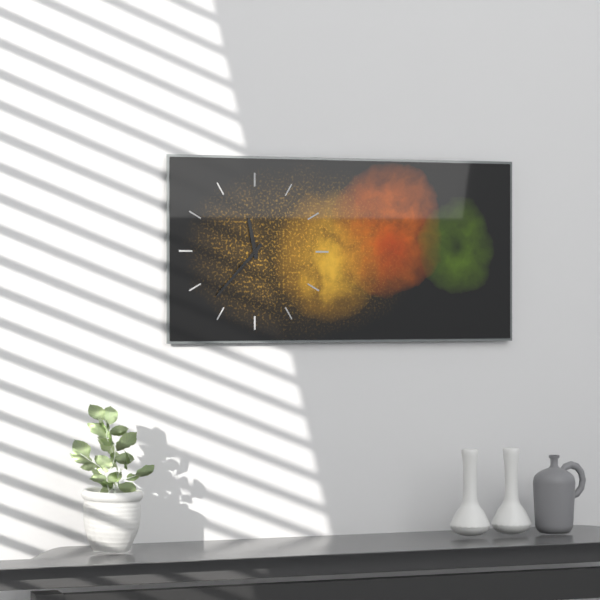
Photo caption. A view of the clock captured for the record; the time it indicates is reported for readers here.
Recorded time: 11:37
